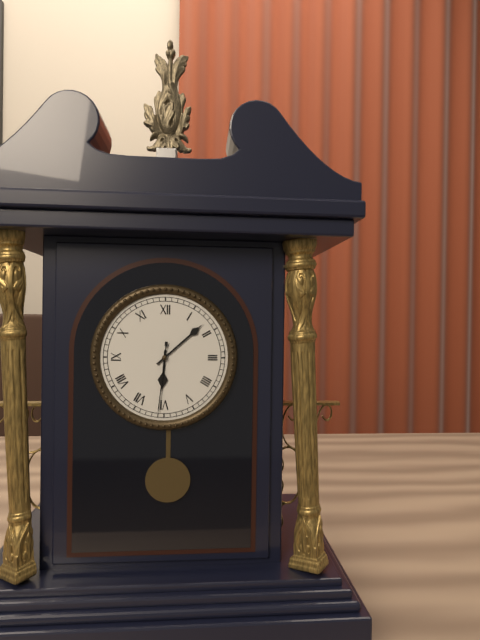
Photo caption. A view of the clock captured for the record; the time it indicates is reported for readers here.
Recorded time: 6:08:31
